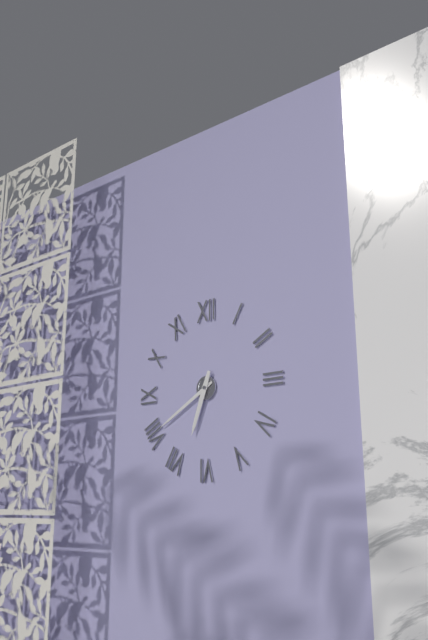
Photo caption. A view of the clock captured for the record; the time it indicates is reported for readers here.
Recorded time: 6:40
